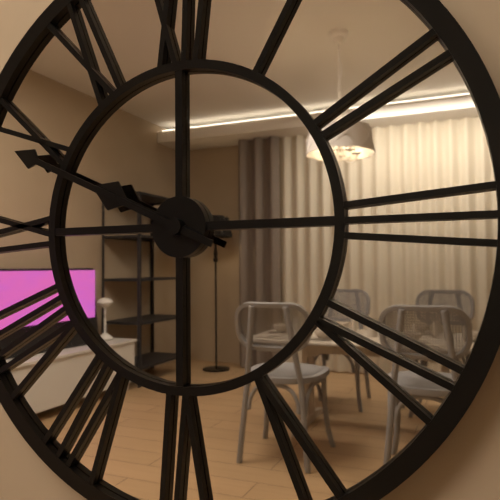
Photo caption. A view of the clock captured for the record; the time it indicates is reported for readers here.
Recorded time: 9:49
